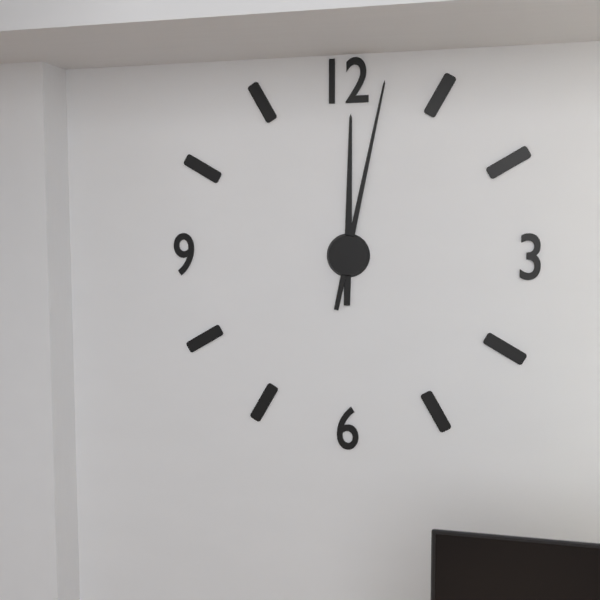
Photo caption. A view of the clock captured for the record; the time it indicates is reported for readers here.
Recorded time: 12:02
